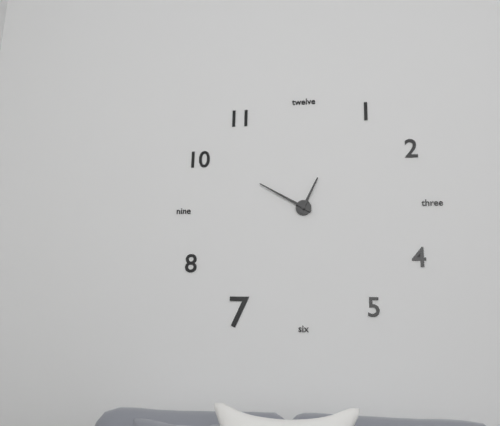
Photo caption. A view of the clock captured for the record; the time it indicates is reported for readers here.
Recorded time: 12:50
